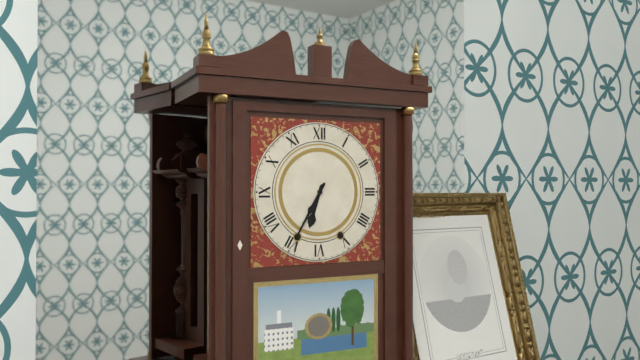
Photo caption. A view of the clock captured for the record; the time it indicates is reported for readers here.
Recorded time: 6:35
